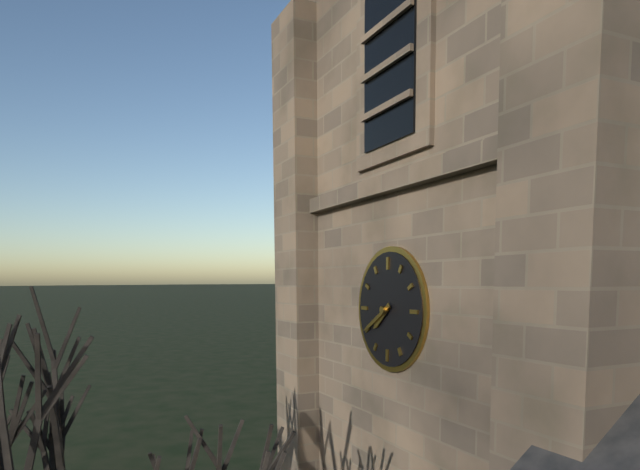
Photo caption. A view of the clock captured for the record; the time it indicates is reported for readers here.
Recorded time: 7:40
